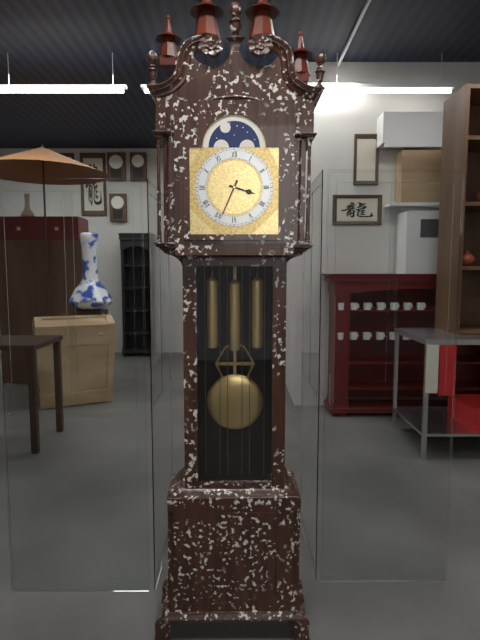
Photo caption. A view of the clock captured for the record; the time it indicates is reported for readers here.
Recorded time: 3:34
